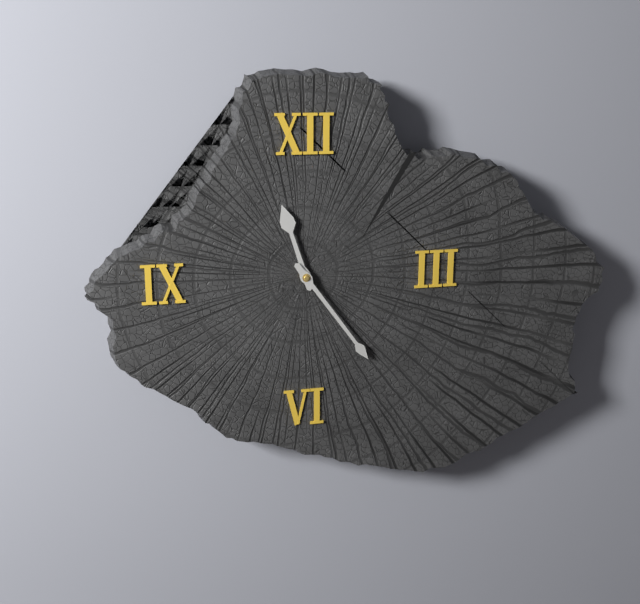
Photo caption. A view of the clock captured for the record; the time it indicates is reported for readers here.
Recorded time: 11:24
